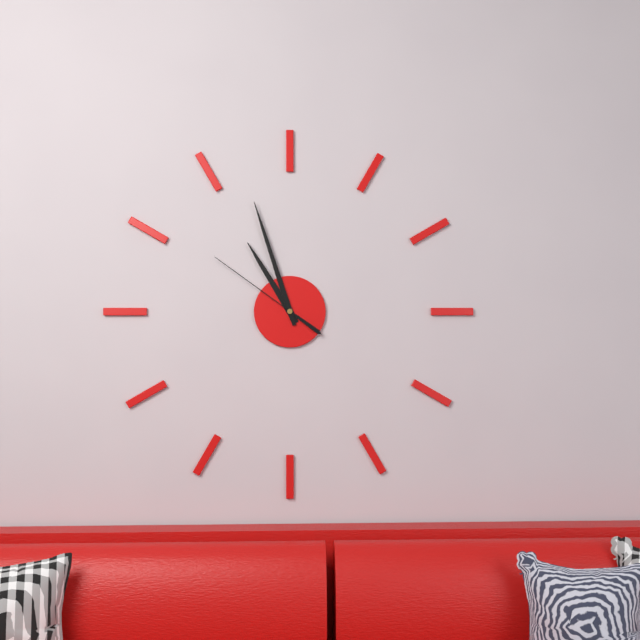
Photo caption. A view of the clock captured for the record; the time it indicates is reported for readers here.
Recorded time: 10:57:51
